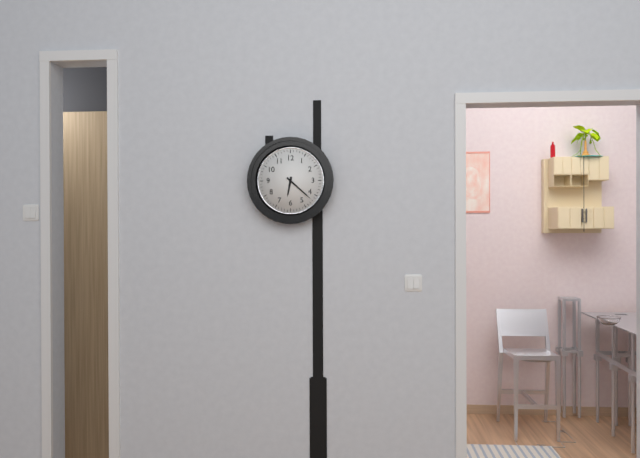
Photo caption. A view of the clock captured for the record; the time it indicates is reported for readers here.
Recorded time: 6:22
